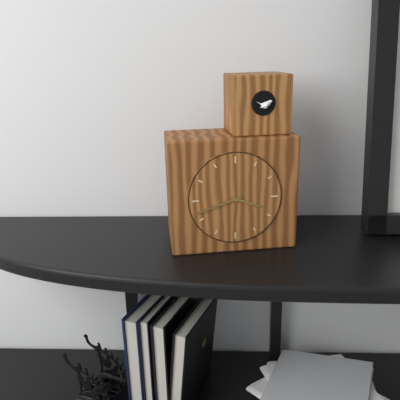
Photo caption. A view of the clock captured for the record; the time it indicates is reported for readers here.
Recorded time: 3:42
